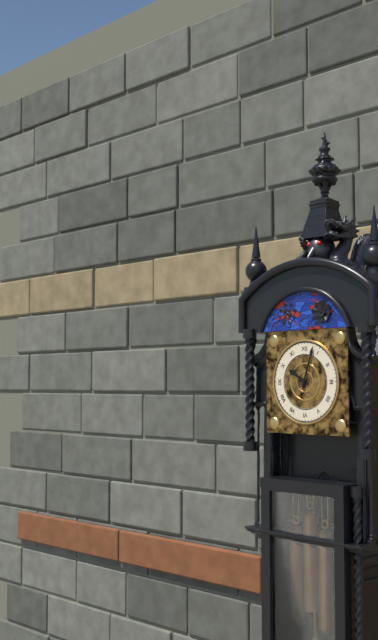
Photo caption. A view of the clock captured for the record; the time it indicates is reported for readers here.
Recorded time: 10:03
